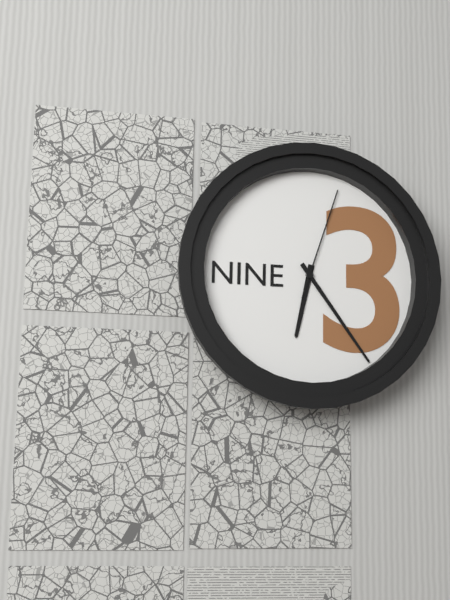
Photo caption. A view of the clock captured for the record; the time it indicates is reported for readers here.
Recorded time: 6:24:03
